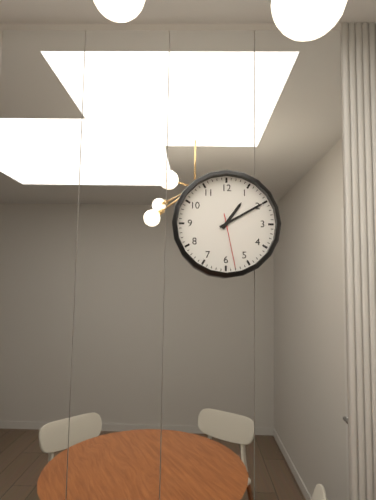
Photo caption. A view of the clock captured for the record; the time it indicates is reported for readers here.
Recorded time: 1:10:28
